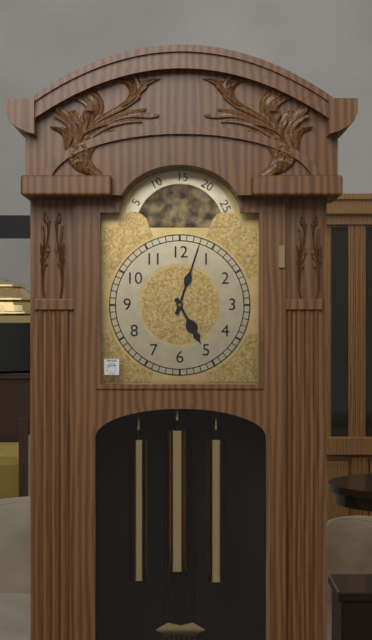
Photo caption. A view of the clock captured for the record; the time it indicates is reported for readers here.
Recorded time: 5:03
